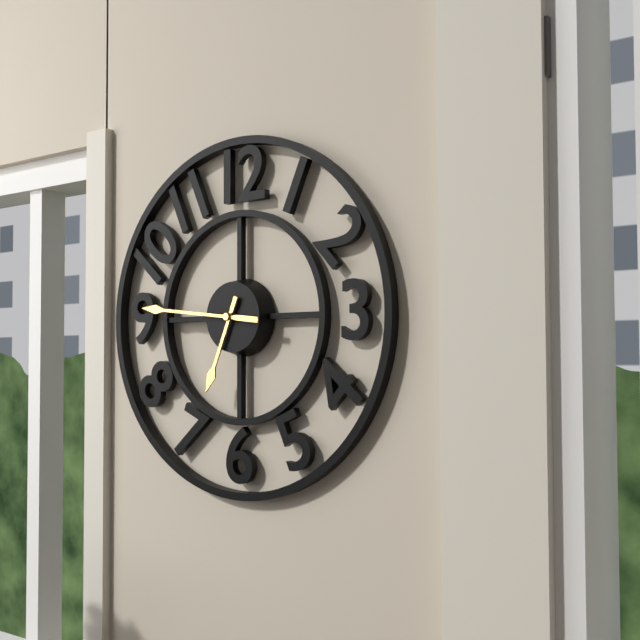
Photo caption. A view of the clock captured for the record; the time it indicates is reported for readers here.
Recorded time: 6:46
